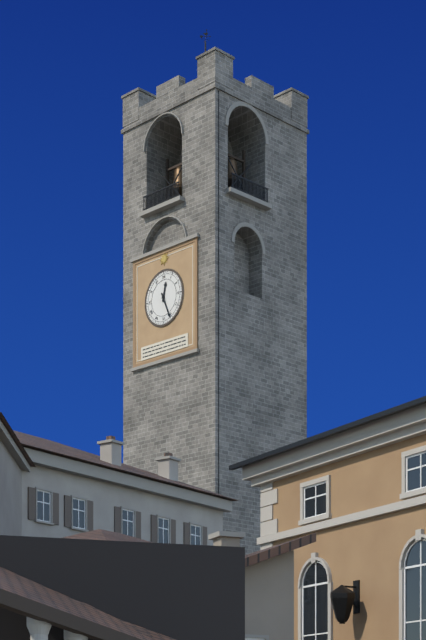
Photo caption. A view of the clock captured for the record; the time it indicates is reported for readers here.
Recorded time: 12:26
